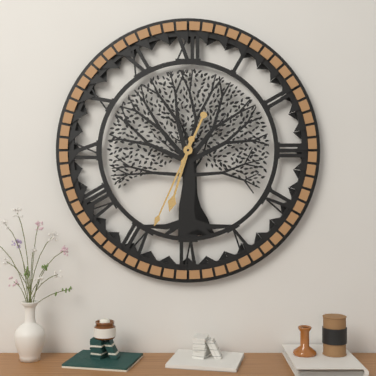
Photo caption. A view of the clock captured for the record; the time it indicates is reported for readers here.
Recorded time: 6:34
